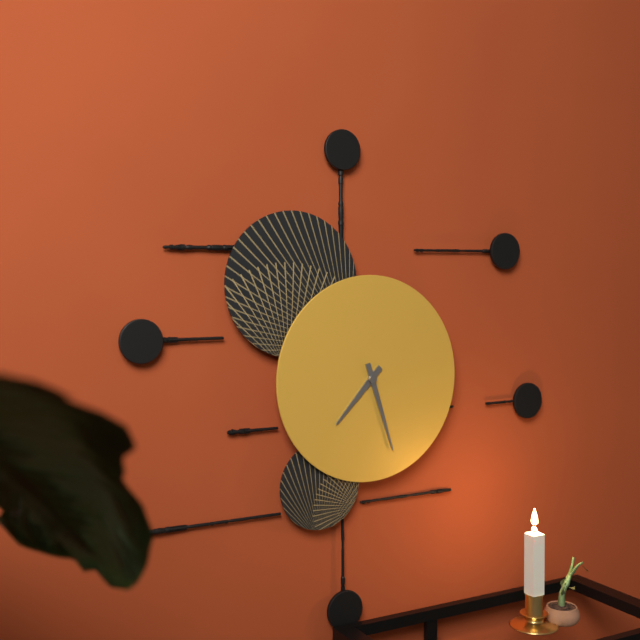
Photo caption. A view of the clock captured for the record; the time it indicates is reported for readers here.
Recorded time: 7:27
